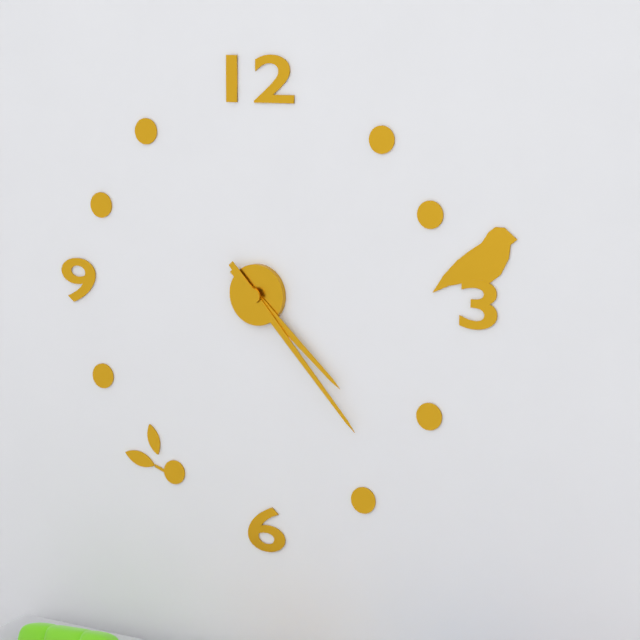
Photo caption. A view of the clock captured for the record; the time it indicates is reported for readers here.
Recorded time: 4:23
